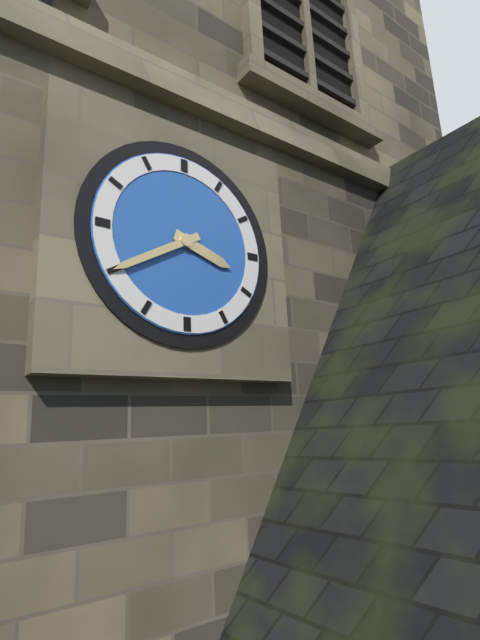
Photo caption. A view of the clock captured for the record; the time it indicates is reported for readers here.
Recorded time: 3:40
